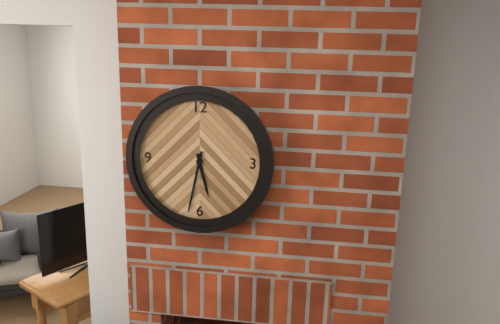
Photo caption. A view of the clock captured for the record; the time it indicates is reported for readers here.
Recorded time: 5:32
